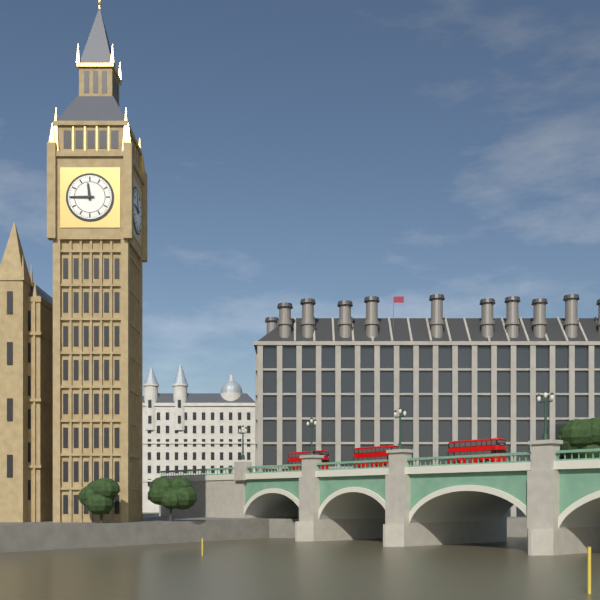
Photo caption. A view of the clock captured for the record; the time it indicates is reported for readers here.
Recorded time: 11:45
